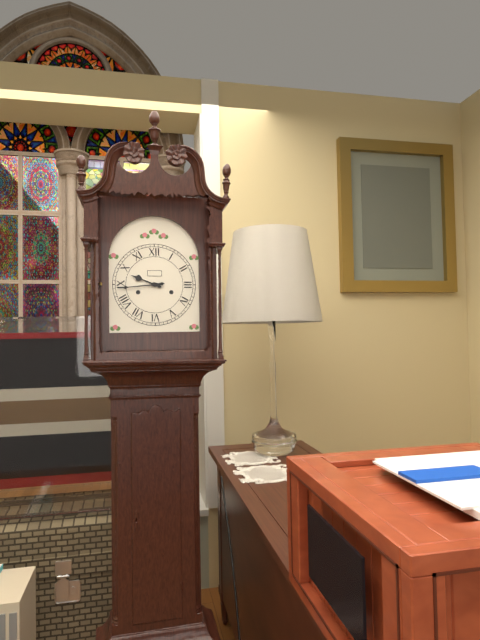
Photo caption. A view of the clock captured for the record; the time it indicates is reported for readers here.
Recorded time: 9:44
